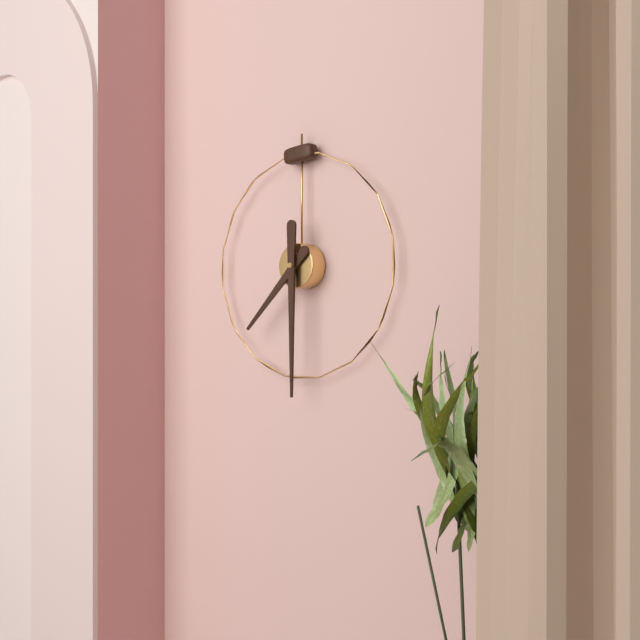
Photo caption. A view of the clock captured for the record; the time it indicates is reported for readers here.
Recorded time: 7:30
